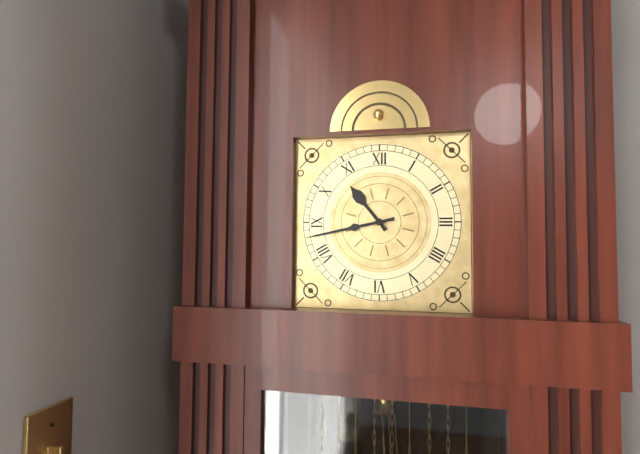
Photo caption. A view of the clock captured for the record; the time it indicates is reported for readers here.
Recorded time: 10:43
